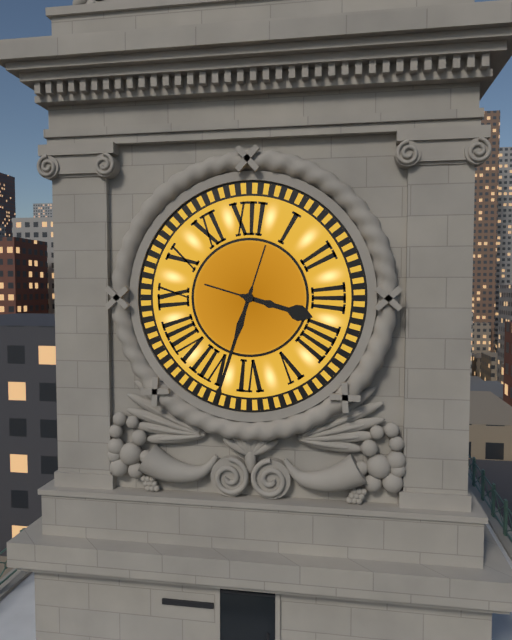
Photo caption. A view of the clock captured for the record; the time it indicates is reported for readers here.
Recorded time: 3:33
